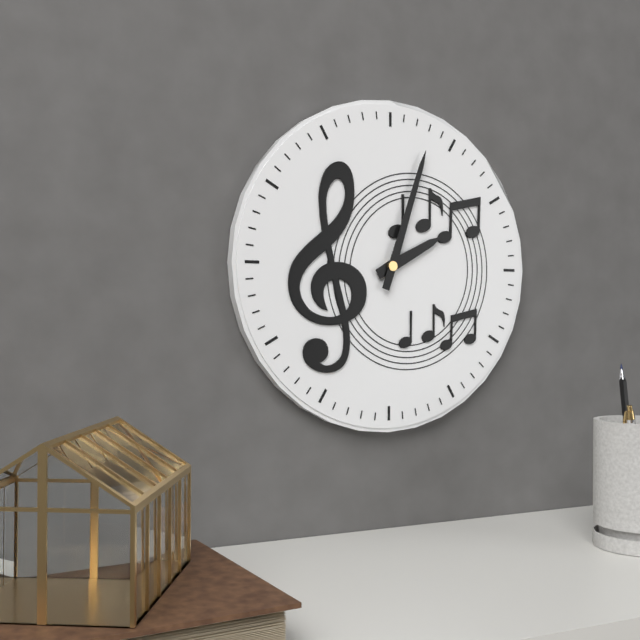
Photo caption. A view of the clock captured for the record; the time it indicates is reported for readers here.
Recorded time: 2:03
